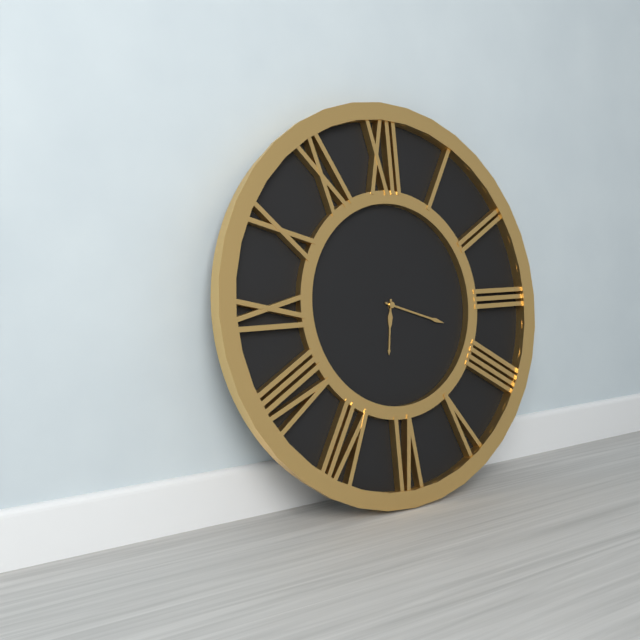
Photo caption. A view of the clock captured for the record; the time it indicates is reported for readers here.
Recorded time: 6:18
